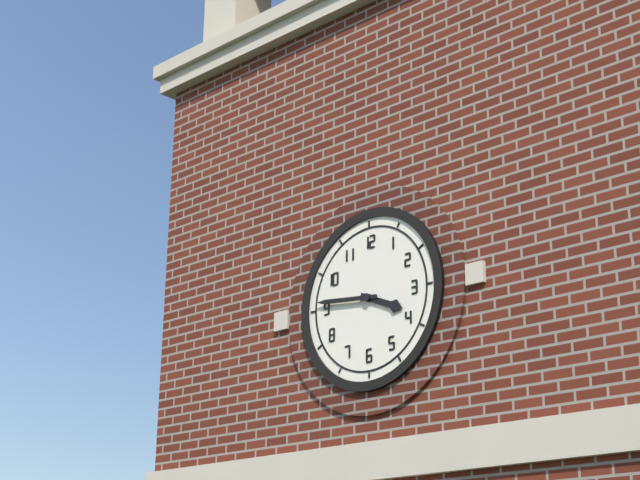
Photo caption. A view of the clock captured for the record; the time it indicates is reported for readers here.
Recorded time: 3:46
